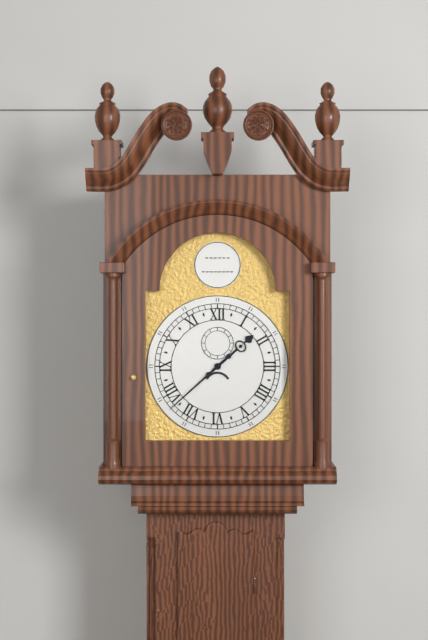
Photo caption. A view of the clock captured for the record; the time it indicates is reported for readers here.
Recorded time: 1:38
